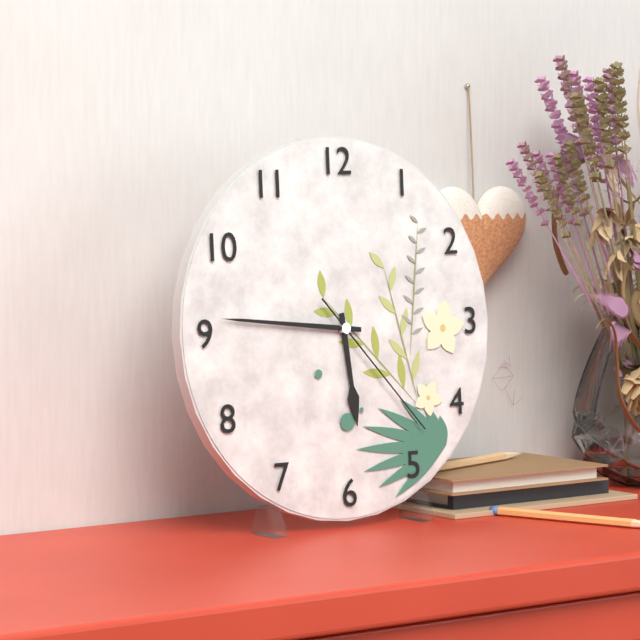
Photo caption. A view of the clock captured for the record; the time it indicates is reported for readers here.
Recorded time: 5:46:23
